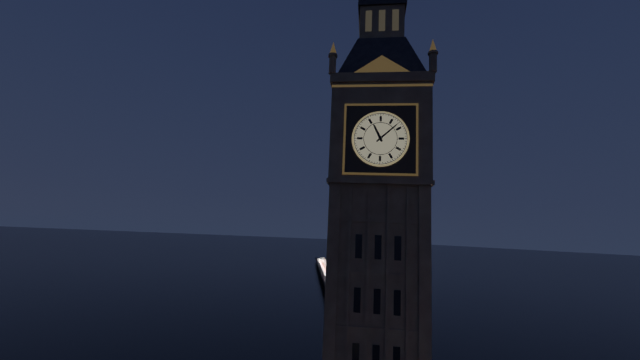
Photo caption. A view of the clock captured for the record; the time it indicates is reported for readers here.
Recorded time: 11:08
